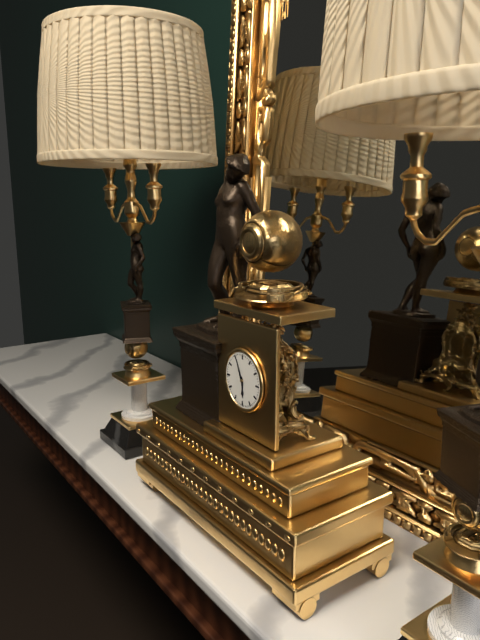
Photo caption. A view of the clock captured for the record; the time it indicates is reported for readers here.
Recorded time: 5:56
